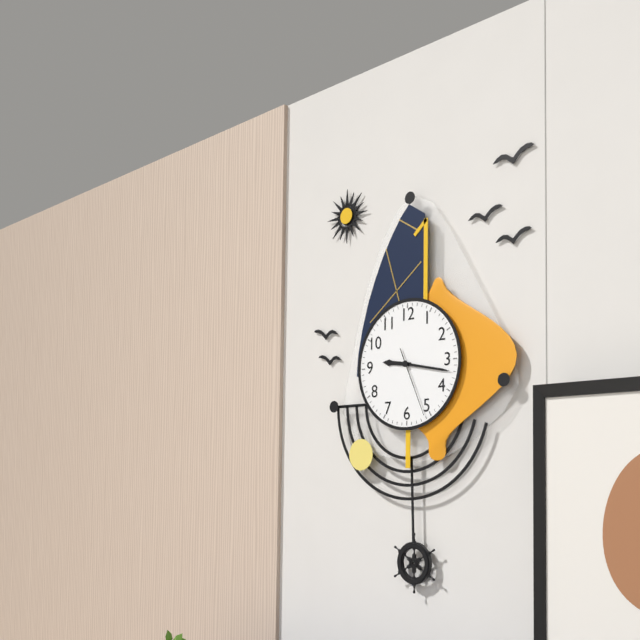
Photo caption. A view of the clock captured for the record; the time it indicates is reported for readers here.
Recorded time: 9:17:26
